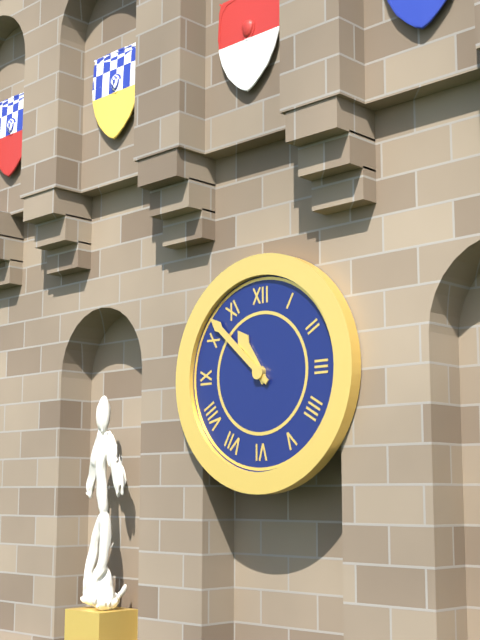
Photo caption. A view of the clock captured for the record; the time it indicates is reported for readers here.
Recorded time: 10:52
